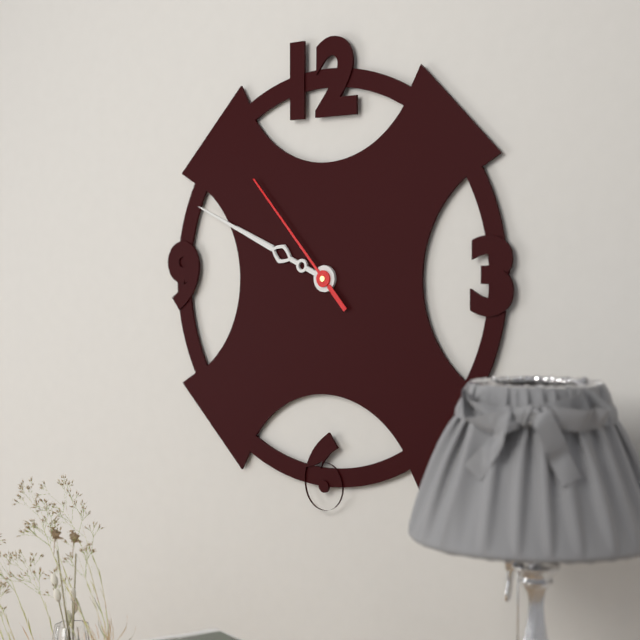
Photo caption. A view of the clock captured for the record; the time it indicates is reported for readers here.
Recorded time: 9:49:53
